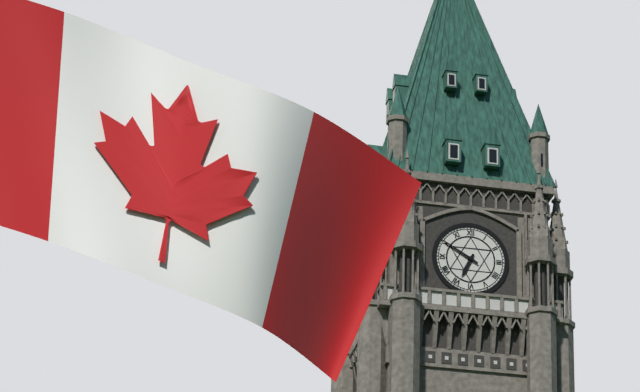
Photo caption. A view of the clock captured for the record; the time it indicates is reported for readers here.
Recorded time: 6:50
